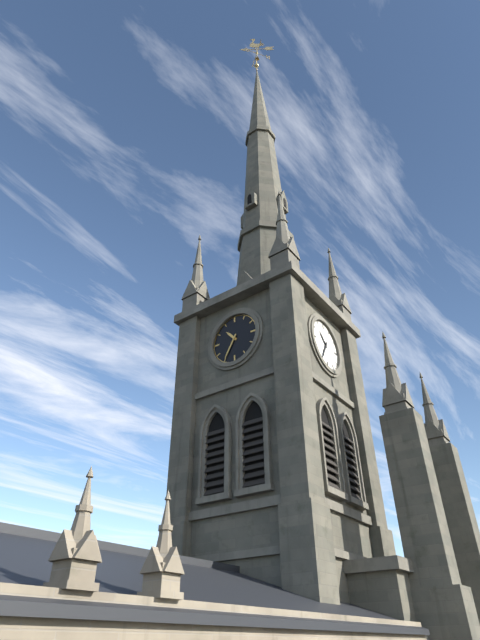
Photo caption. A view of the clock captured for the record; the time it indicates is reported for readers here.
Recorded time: 10:35
